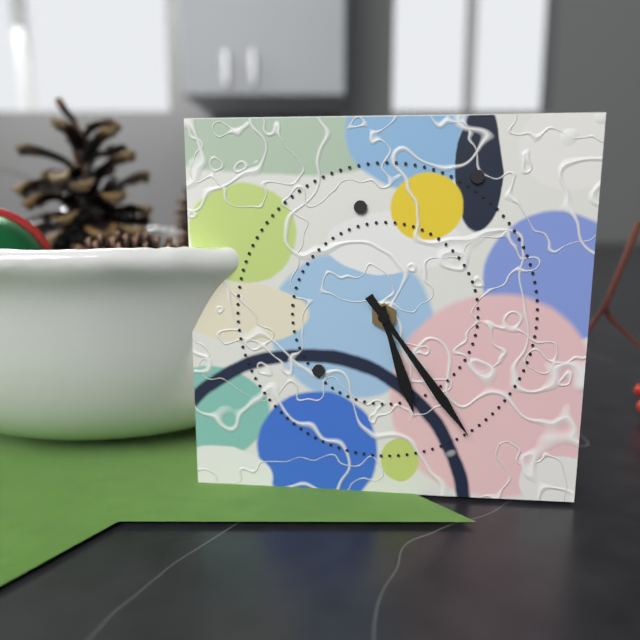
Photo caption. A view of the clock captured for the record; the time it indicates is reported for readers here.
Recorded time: 5:24
